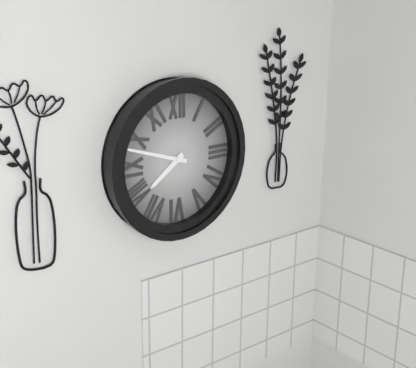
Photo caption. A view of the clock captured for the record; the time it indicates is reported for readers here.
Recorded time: 7:48
